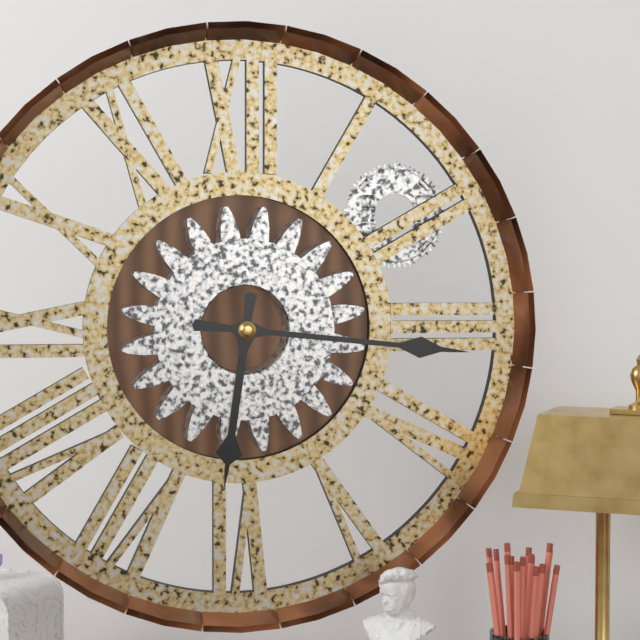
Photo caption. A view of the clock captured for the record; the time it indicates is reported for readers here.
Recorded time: 6:16
